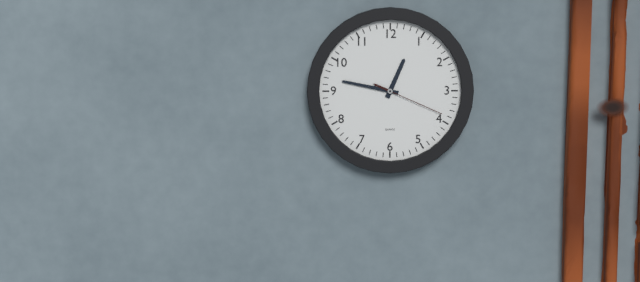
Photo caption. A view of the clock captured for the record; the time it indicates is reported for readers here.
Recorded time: 12:47:19
